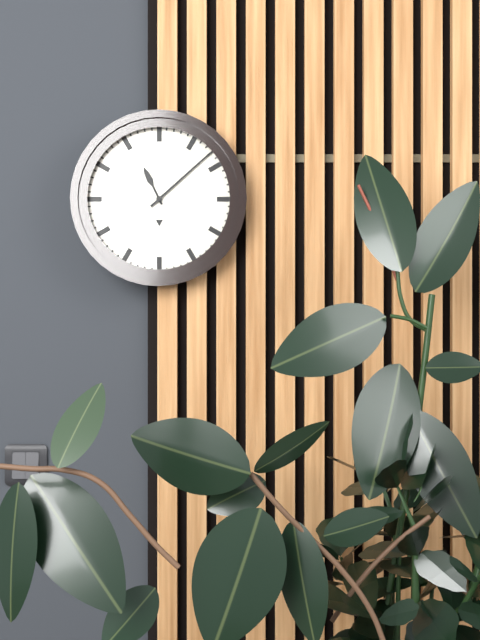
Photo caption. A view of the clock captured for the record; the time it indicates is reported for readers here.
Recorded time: 11:08
